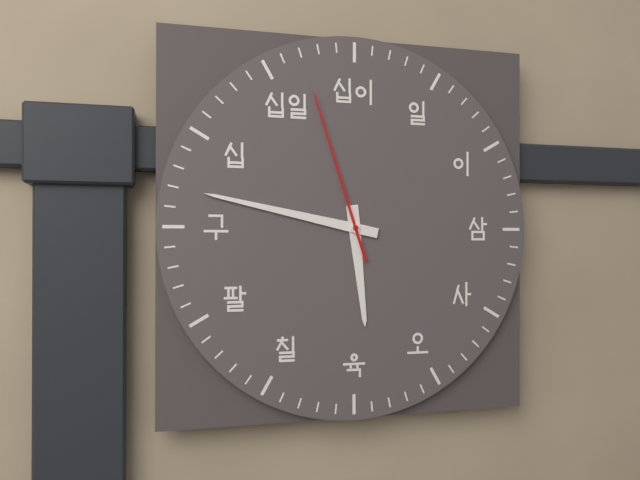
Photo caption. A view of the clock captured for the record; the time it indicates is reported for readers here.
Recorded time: 5:47:57
